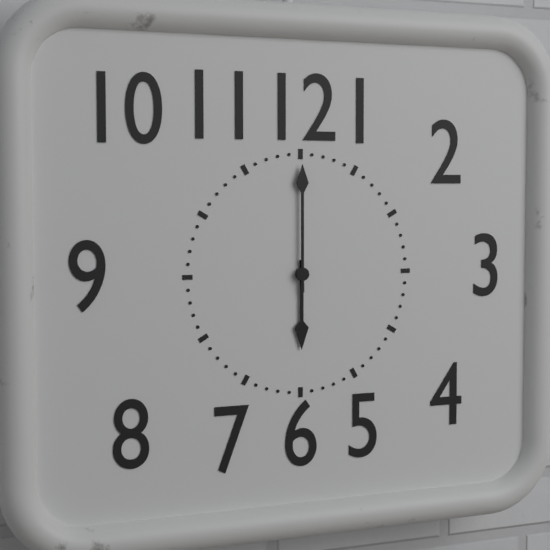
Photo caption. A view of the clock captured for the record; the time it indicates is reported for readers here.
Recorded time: 6:00
